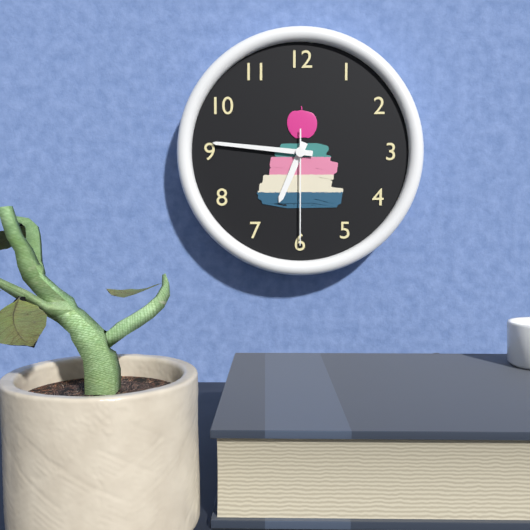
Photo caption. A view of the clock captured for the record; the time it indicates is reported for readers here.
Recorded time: 6:46:30
